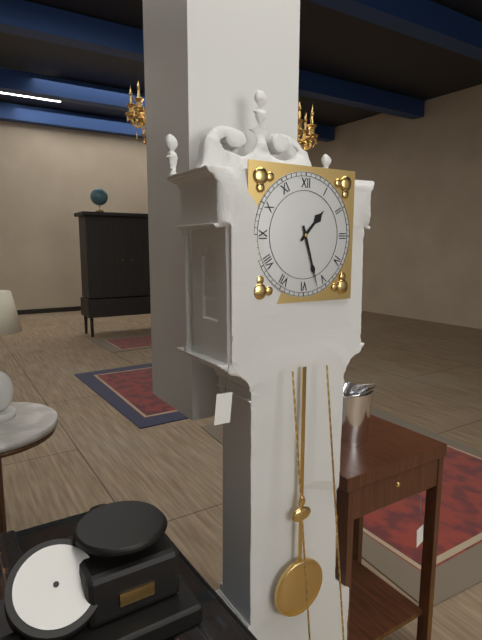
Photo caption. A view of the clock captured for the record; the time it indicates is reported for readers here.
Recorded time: 1:27
